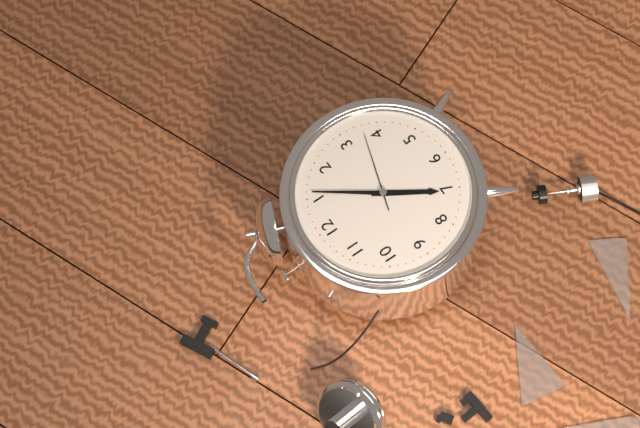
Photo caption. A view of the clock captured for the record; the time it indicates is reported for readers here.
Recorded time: 7:06:18
